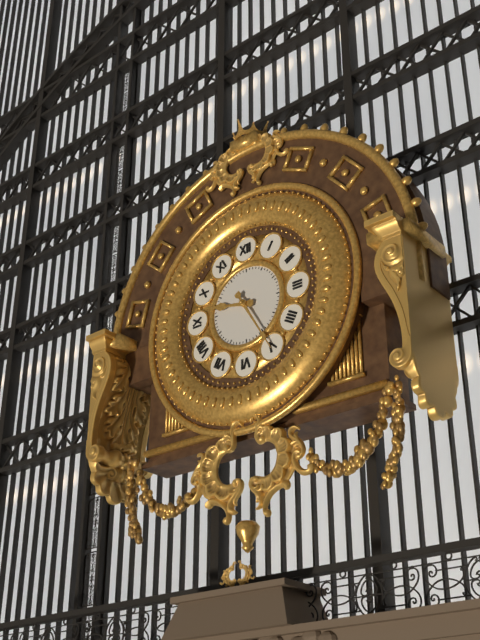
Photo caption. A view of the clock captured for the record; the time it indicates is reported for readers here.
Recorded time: 9:25
